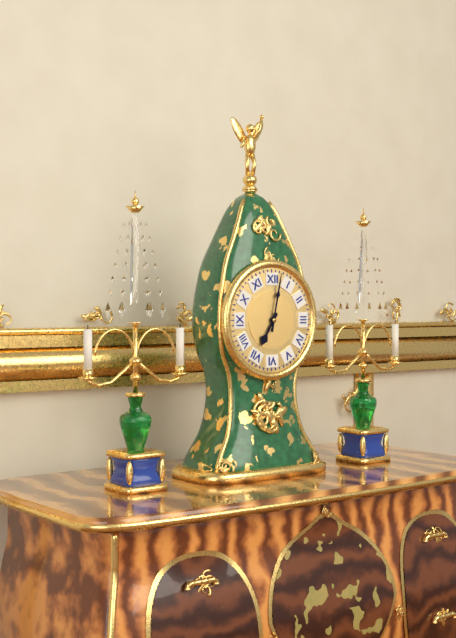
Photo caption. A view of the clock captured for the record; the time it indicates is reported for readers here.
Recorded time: 7:02
